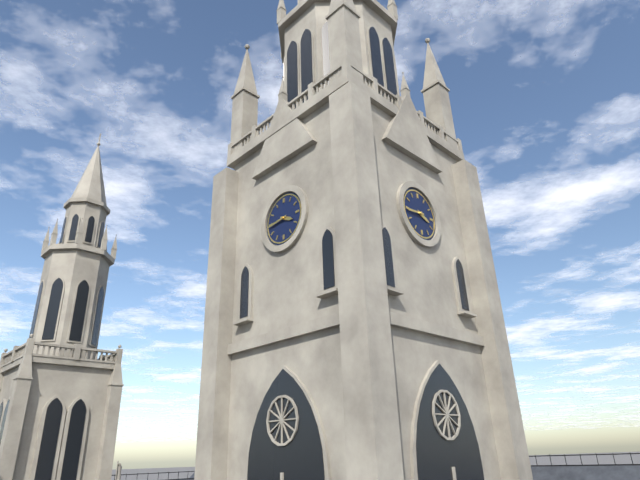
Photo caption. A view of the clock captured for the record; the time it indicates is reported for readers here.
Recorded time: 3:44
